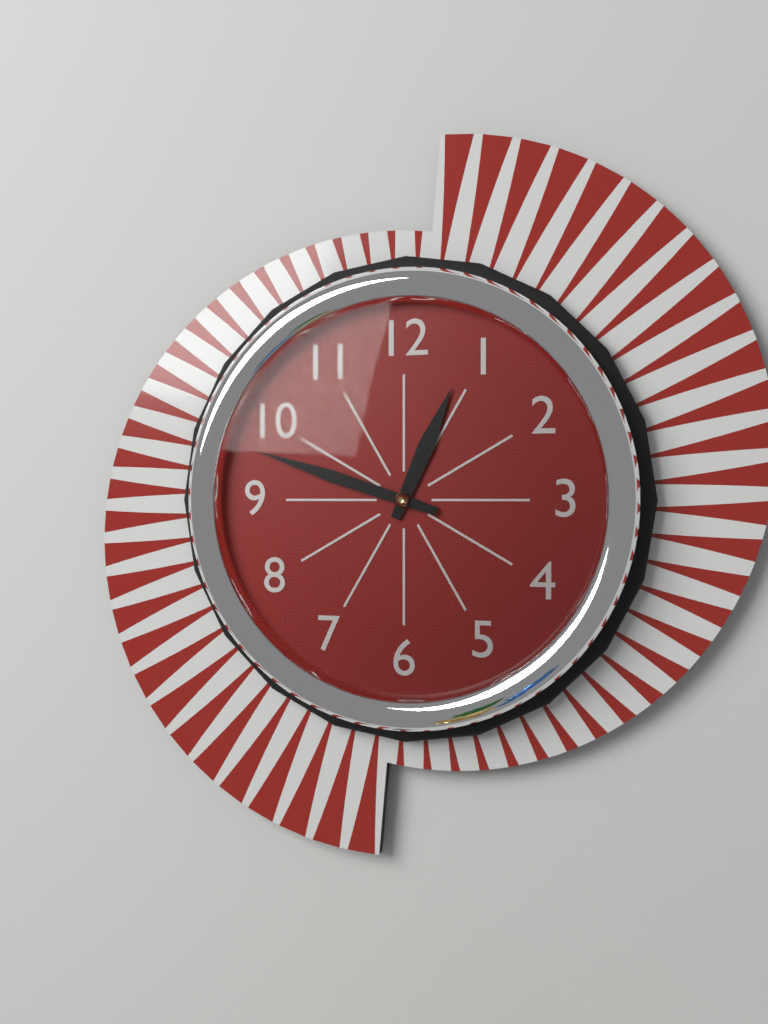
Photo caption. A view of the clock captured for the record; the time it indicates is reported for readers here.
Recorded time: 12:48
